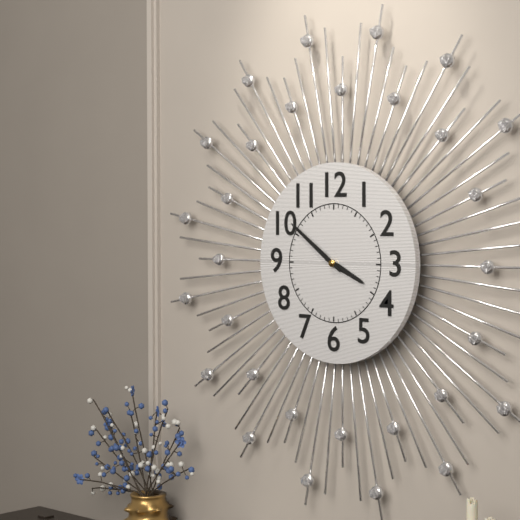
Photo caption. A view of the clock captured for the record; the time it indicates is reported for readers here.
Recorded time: 3:51
